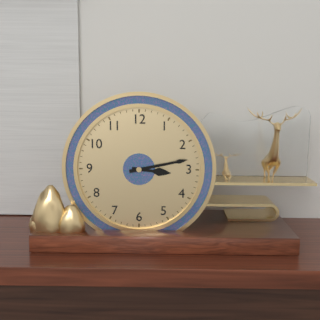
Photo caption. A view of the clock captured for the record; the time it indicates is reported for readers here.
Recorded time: 3:13
